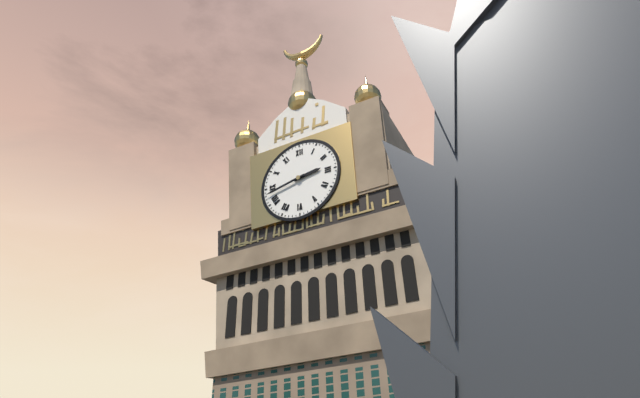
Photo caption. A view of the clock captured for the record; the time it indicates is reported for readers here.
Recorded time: 2:43
